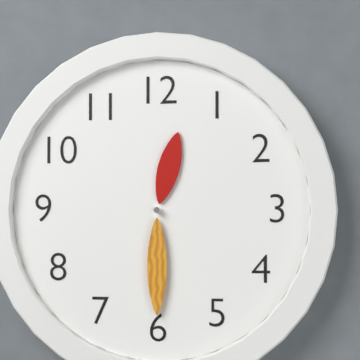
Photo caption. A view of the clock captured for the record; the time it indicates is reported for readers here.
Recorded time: 12:30
